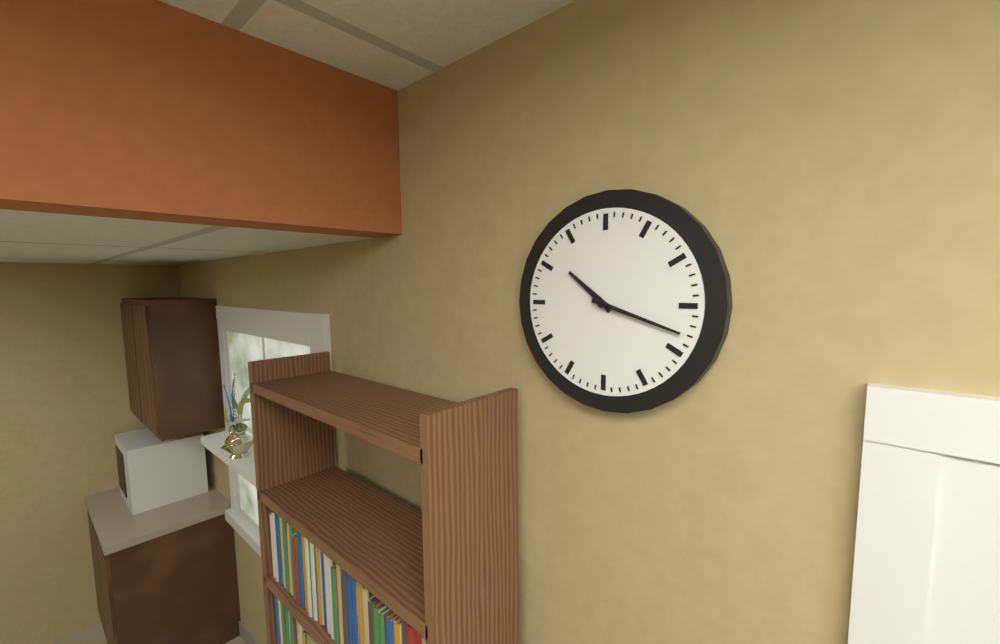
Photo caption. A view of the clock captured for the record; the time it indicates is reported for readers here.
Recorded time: 10:18
